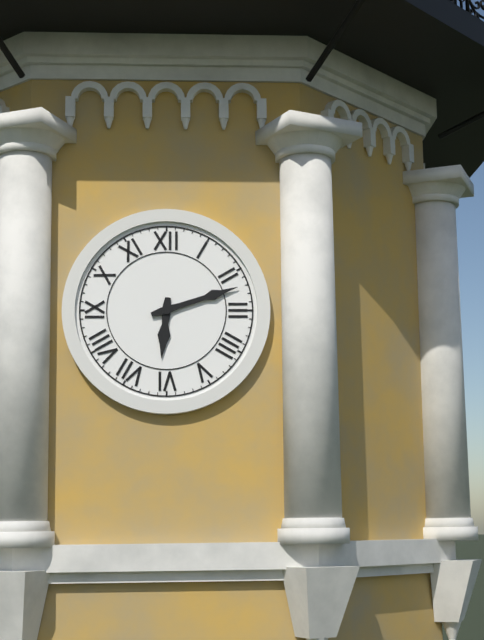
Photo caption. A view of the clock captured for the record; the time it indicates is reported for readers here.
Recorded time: 6:12
